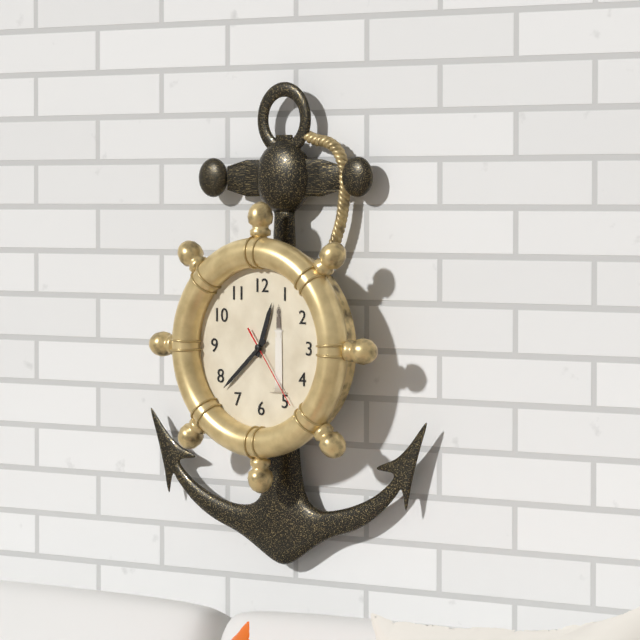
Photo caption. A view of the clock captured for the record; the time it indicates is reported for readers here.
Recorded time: 12:38:24
